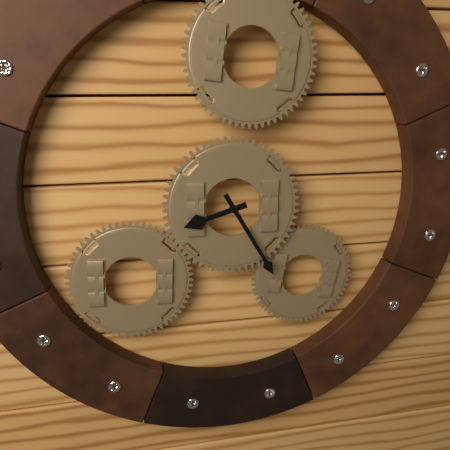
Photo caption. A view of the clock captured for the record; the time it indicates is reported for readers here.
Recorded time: 8:25
